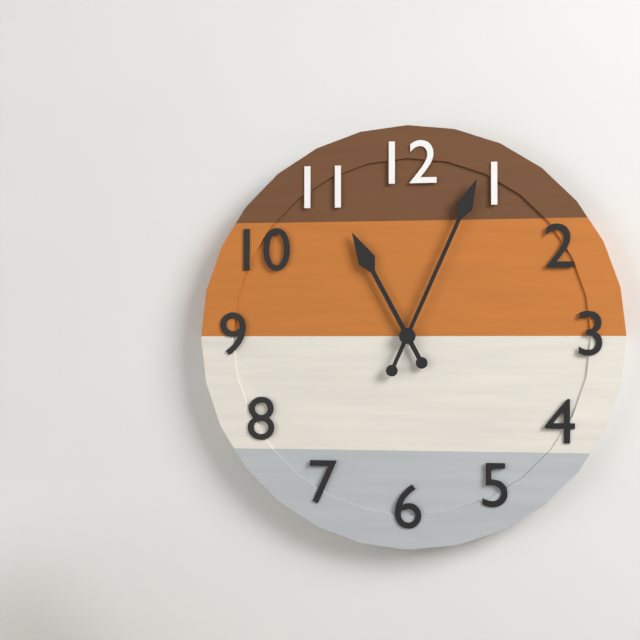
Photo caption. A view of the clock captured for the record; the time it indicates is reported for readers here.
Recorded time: 11:04
